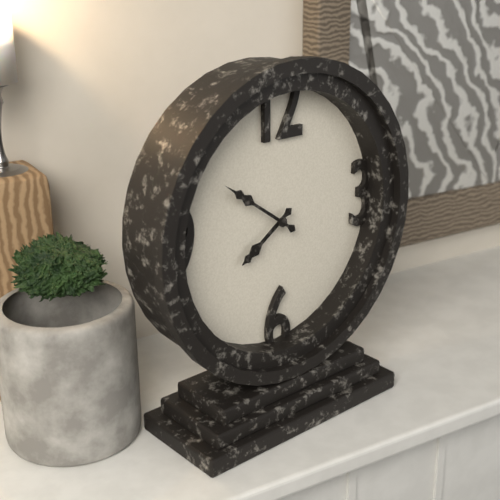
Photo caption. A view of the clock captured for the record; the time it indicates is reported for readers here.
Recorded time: 7:51
